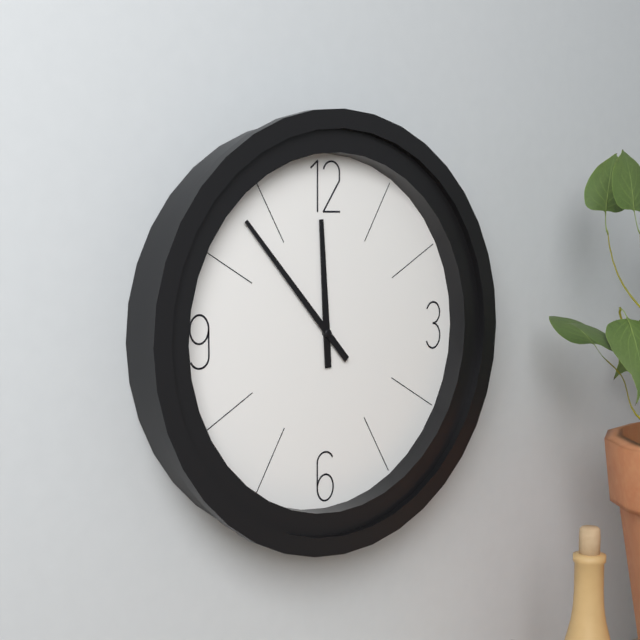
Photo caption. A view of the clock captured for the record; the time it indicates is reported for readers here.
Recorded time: 11:53
